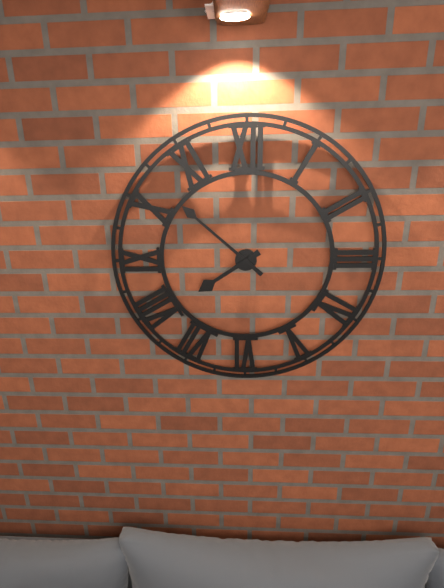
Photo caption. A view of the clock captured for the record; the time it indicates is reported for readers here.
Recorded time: 7:52
